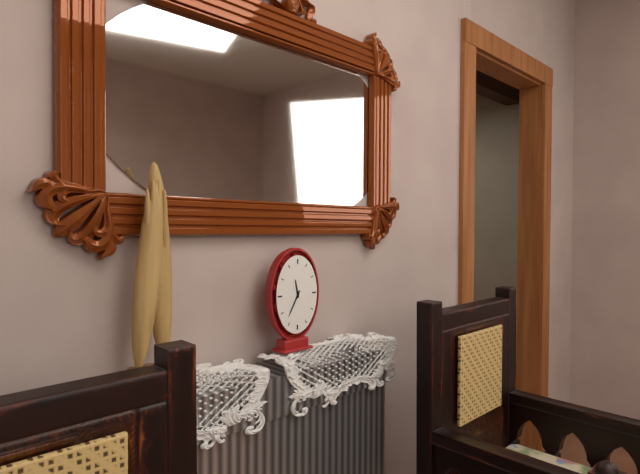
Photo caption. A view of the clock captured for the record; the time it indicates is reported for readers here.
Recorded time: 11:35
